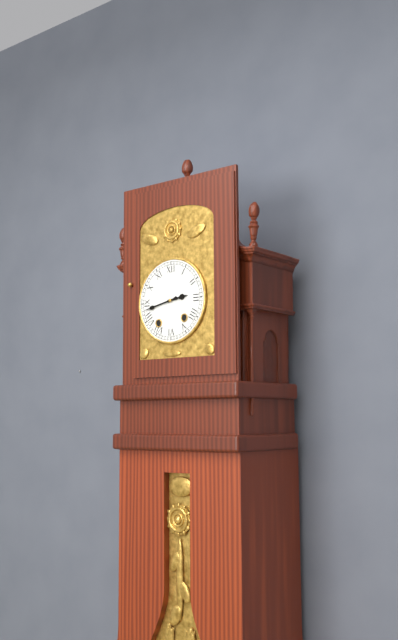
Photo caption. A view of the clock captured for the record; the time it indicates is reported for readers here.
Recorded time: 2:43
